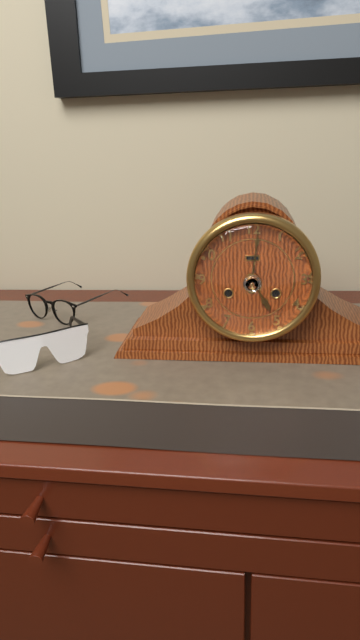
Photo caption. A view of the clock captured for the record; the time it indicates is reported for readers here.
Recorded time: 5:01
